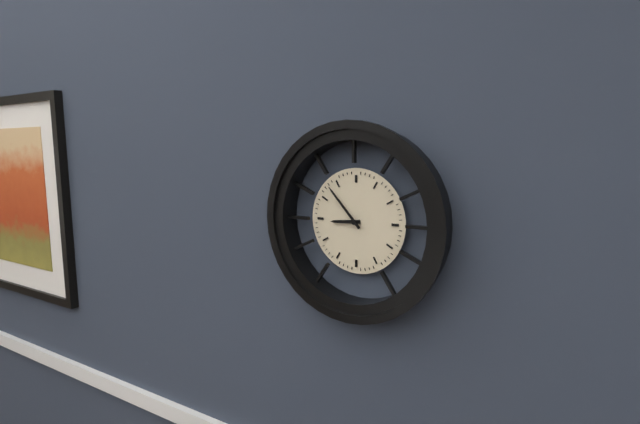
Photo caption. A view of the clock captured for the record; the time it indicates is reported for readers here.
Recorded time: 8:53
